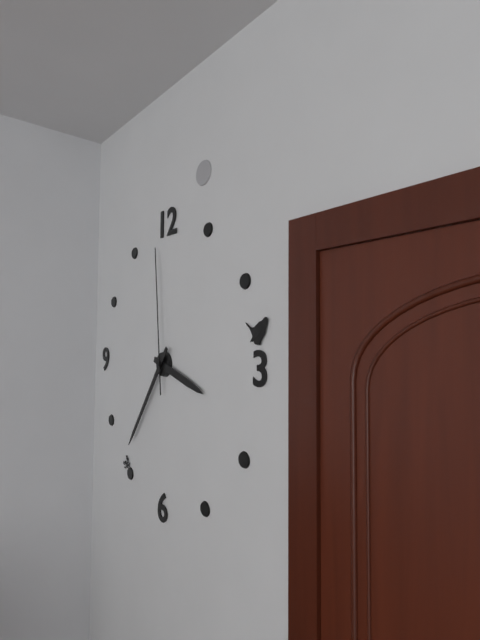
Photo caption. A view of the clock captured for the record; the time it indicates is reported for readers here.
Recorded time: 3:36:59
